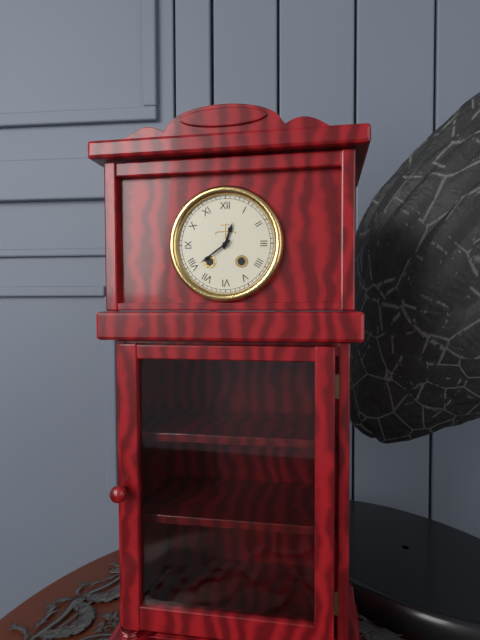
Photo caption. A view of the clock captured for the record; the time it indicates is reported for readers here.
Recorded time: 12:39
